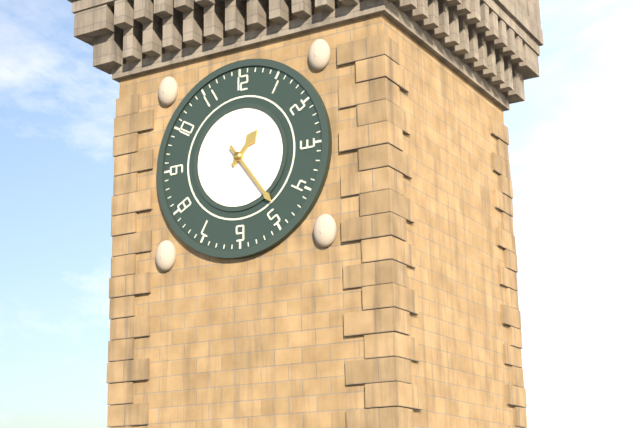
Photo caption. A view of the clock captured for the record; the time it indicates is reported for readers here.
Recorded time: 1:24
